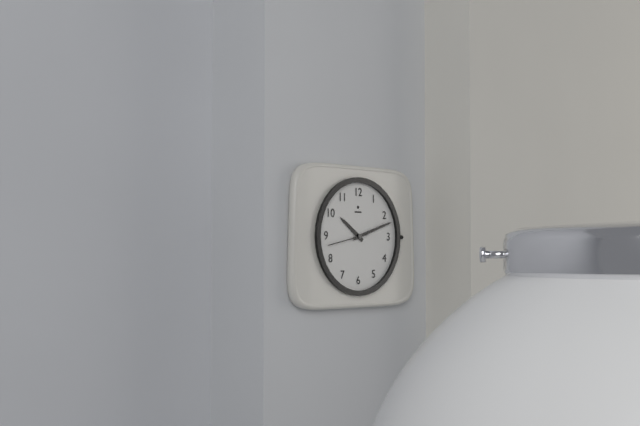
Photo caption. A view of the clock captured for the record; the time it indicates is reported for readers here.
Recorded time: 10:12
